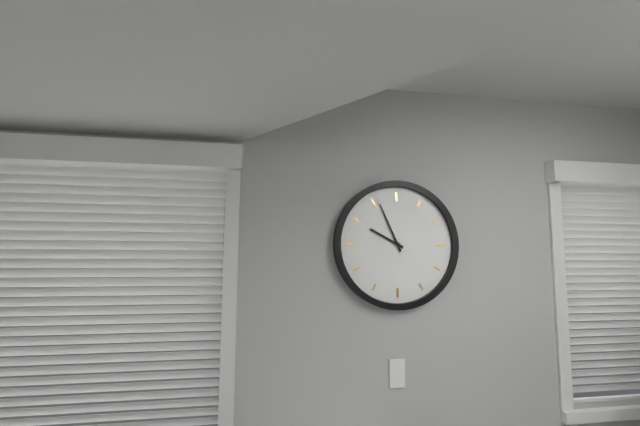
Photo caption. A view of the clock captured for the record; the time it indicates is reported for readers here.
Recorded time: 9:56
